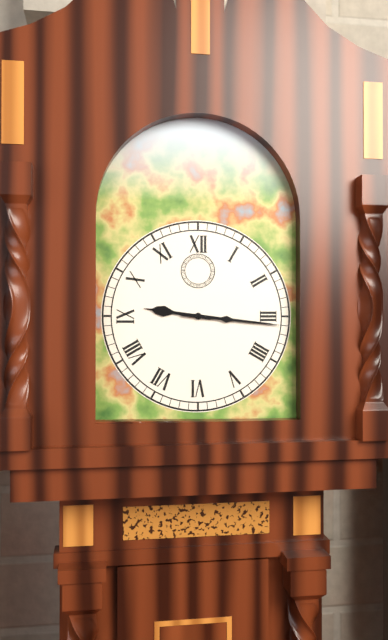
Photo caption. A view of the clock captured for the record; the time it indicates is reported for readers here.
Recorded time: 9:16
